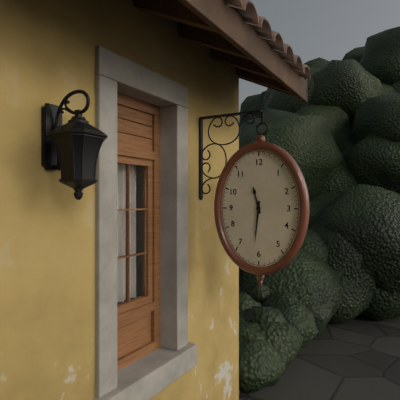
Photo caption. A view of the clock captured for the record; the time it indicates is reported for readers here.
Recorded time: 11:31
